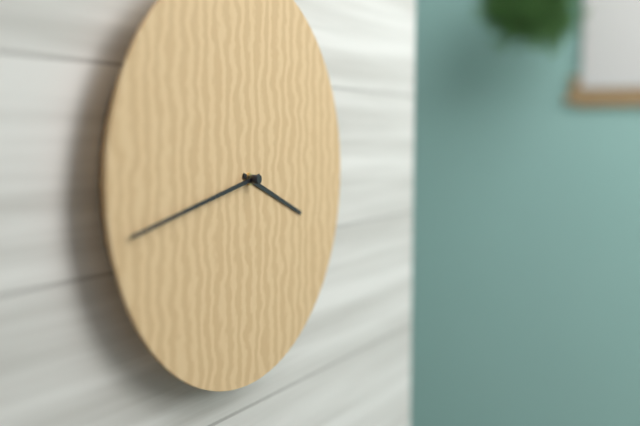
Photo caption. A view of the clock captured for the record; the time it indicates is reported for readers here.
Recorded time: 3:43
